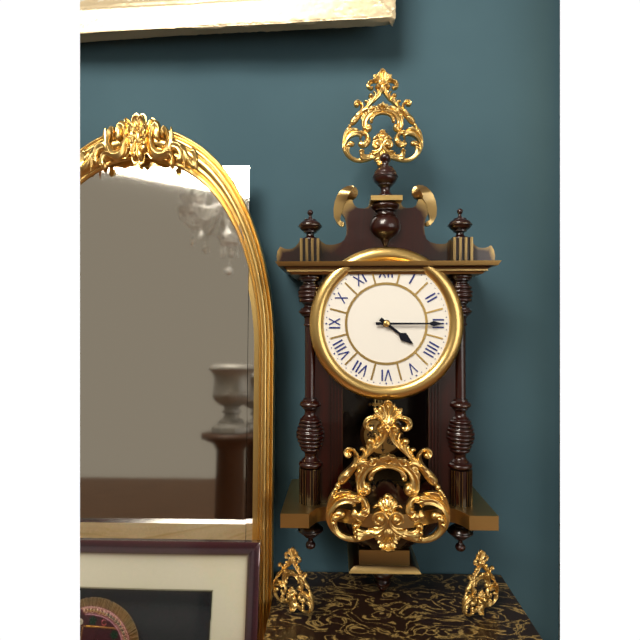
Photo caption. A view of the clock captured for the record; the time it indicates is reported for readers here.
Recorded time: 4:15
